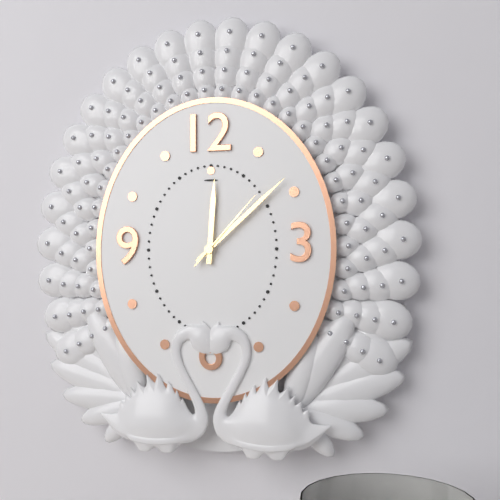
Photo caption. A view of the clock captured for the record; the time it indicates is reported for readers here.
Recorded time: 12:08:07
